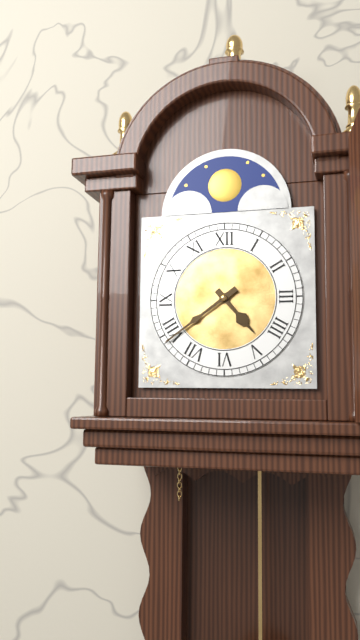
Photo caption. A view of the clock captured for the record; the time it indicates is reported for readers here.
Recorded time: 4:39
